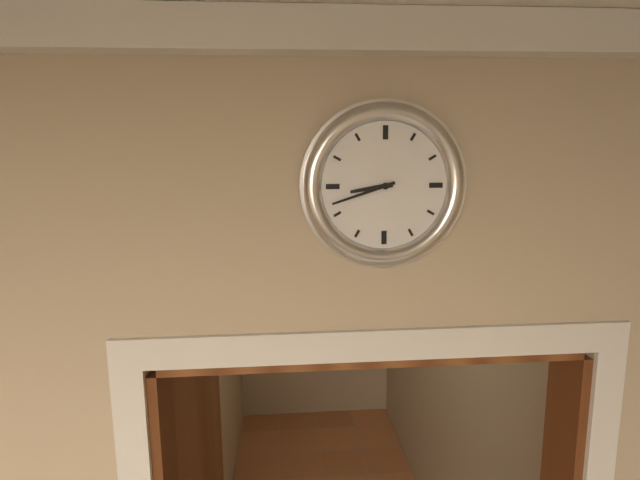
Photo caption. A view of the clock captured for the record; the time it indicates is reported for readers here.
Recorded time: 8:42
